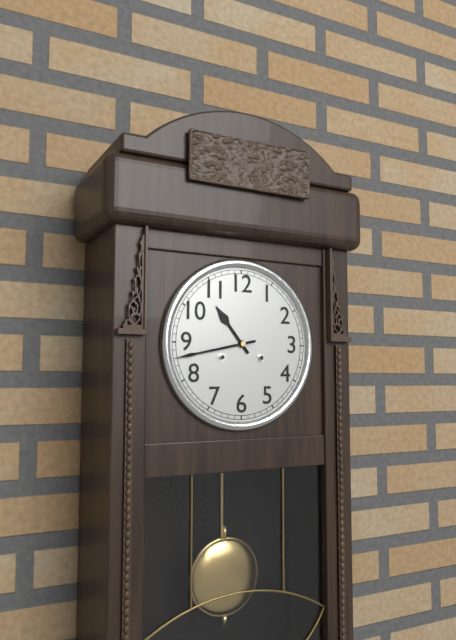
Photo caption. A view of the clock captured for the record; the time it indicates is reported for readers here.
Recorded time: 10:43
